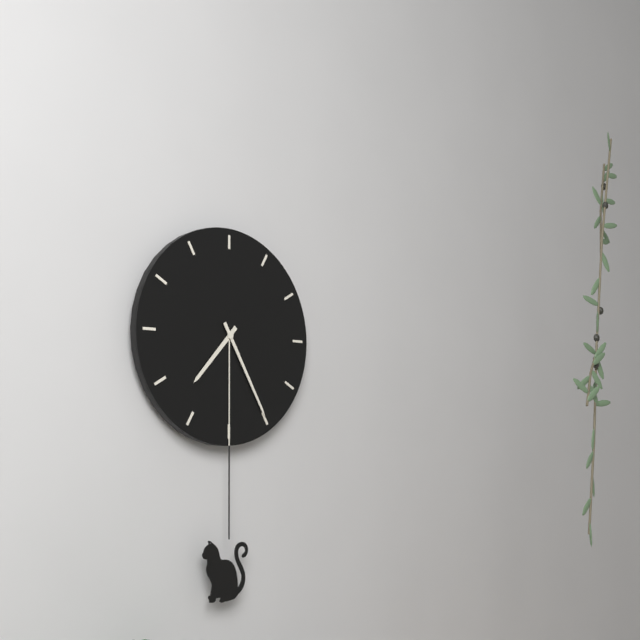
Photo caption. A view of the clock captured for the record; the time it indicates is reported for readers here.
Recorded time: 7:25
